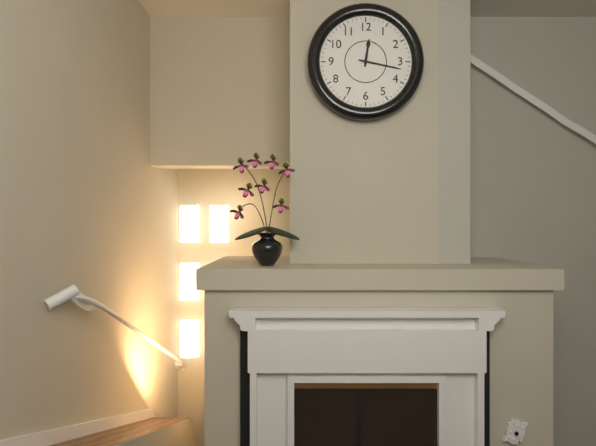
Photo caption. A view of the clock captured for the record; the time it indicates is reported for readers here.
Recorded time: 12:17
